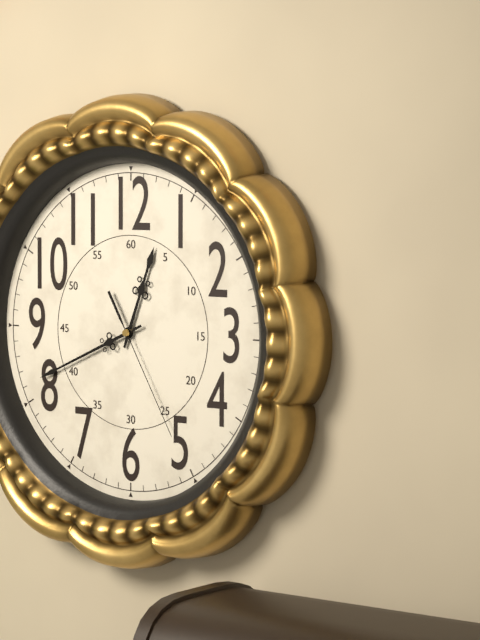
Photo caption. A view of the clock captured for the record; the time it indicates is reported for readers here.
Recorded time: 12:41:25
